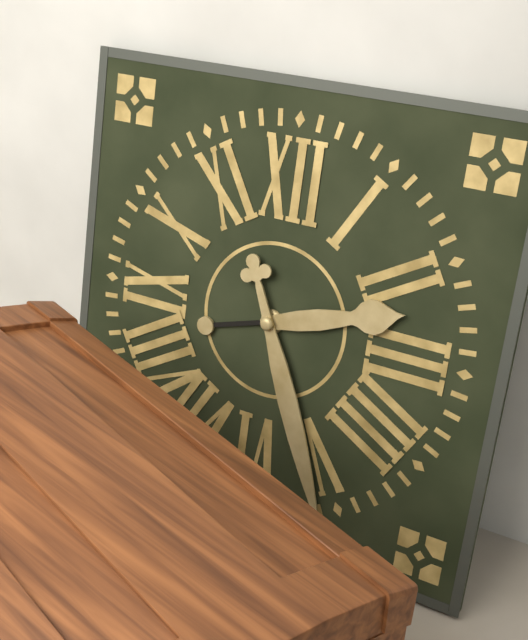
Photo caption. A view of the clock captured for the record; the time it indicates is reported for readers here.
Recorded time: 2:26
